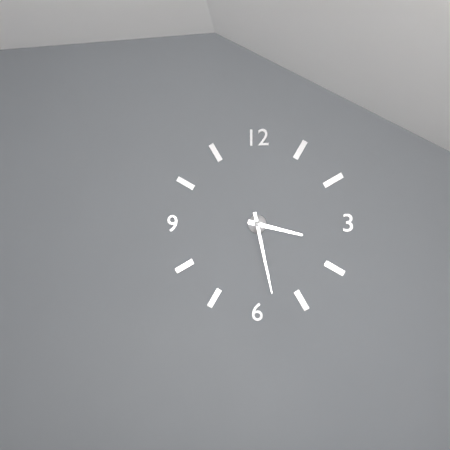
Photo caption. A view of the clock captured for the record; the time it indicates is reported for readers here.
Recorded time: 3:28
